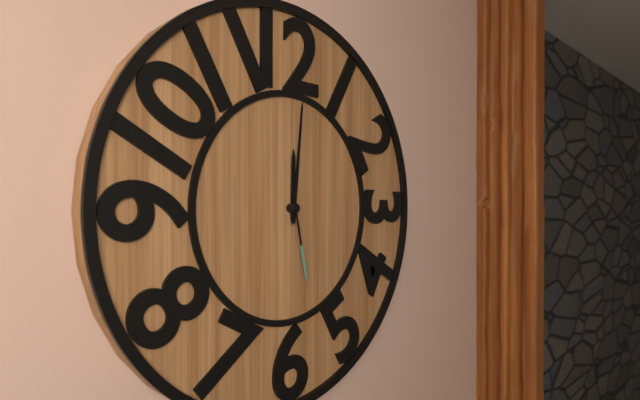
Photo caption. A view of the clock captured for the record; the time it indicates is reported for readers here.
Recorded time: 12:01:28
